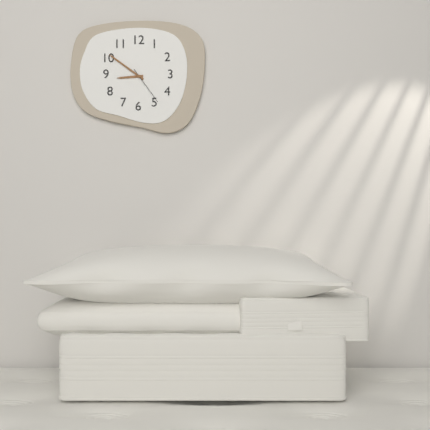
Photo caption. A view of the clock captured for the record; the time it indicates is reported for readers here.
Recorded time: 8:51
